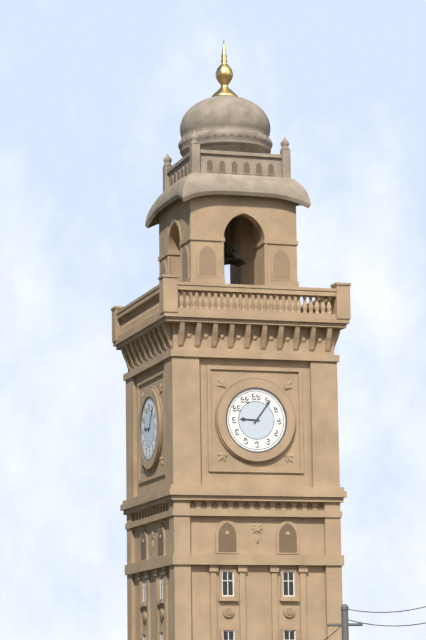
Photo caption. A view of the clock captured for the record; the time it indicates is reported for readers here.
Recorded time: 9:06
